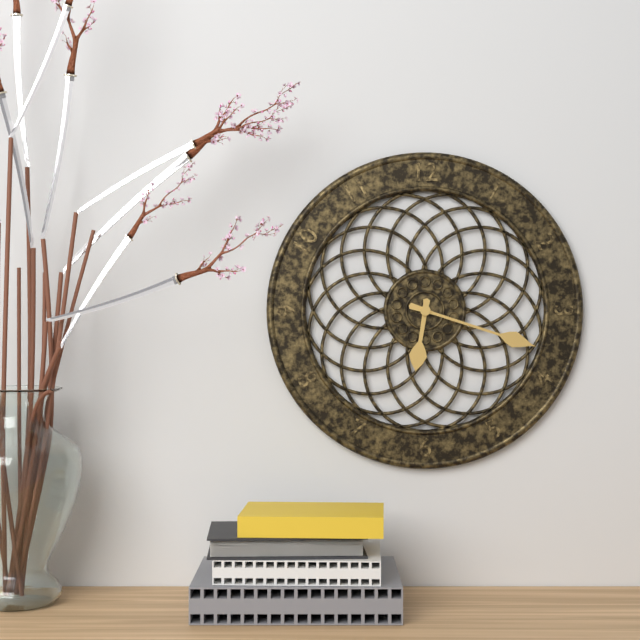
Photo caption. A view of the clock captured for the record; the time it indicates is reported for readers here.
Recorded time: 6:18
